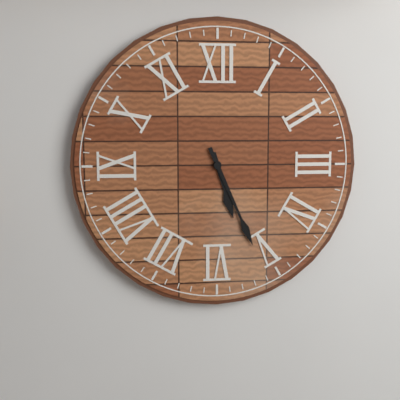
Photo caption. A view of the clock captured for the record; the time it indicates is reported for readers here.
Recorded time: 5:26
